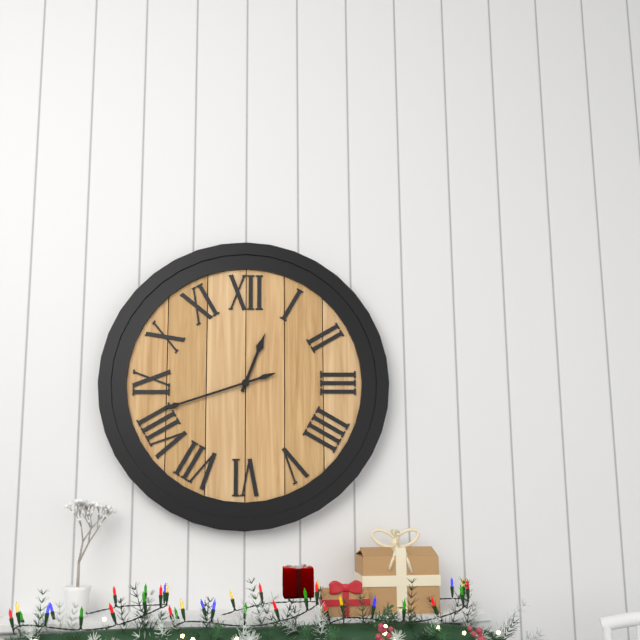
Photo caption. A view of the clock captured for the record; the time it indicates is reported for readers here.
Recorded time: 12:42
